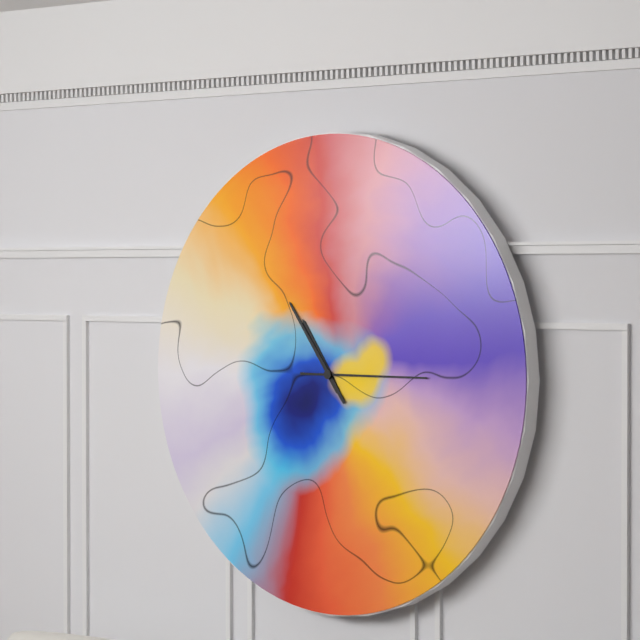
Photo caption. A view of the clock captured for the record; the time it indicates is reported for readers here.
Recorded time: 10:54:15
